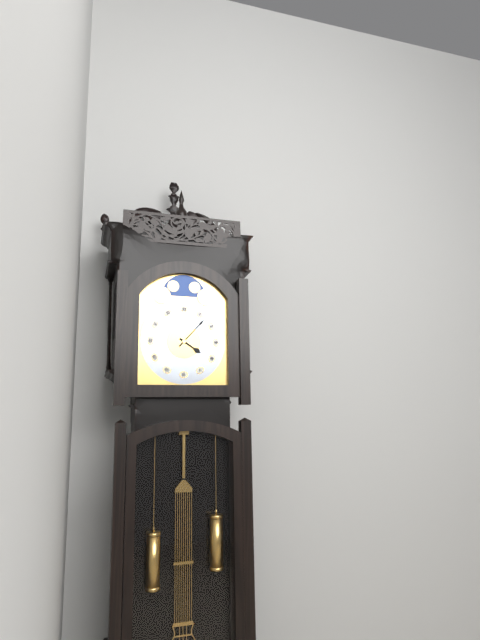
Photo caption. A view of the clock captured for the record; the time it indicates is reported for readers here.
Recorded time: 4:07
